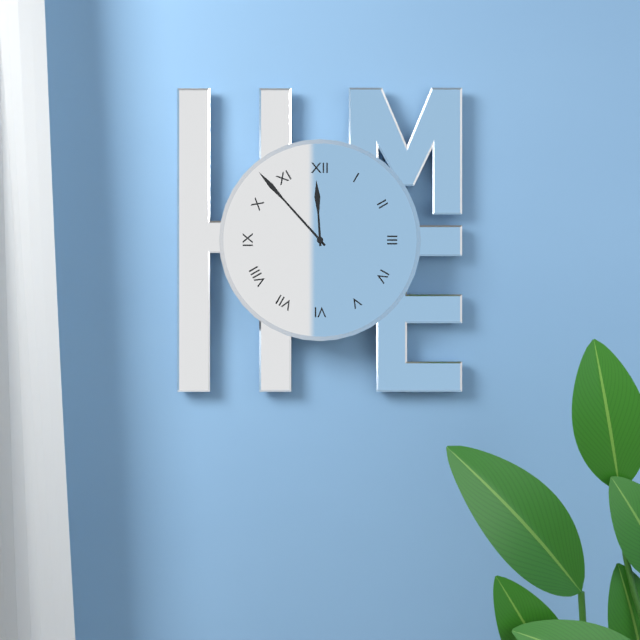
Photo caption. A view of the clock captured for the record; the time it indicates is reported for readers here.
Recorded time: 11:53
